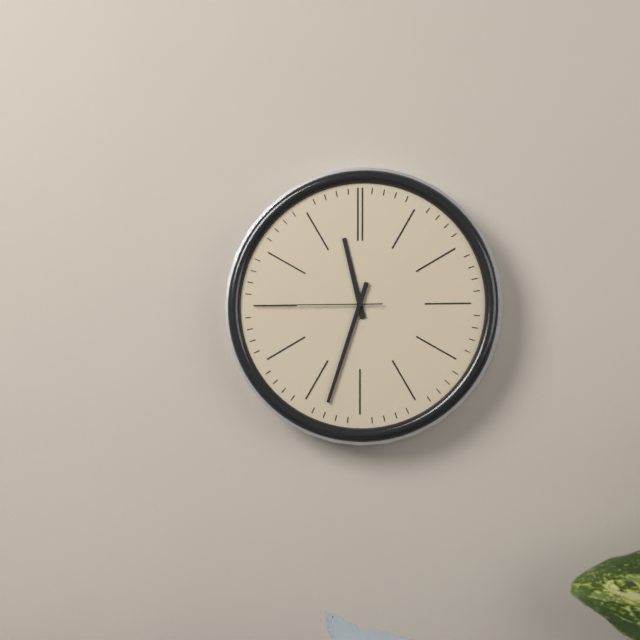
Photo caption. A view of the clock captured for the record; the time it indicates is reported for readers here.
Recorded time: 11:33:45
